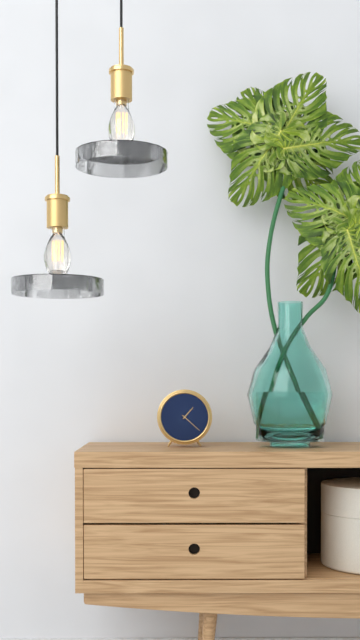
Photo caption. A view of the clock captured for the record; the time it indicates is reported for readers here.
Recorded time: 1:22
